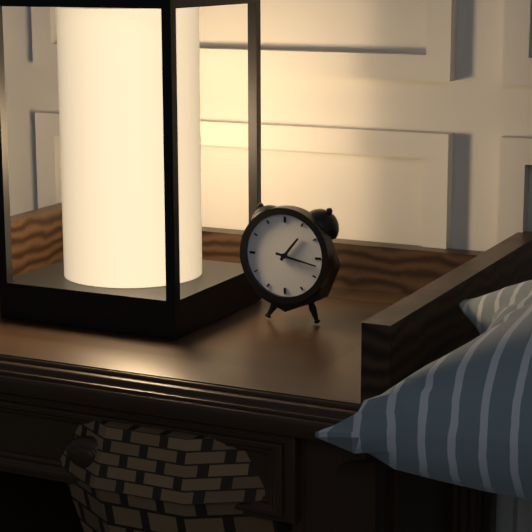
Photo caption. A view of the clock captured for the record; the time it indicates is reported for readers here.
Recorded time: 1:17
